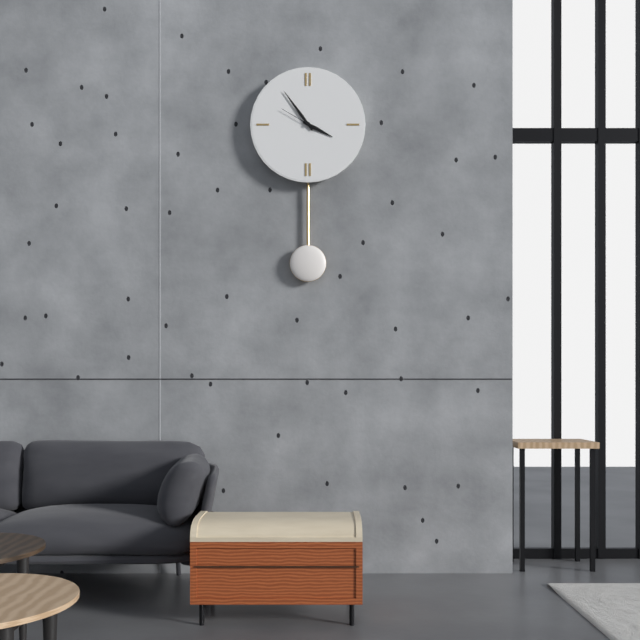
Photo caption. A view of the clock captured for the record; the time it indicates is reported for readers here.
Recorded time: 3:54
